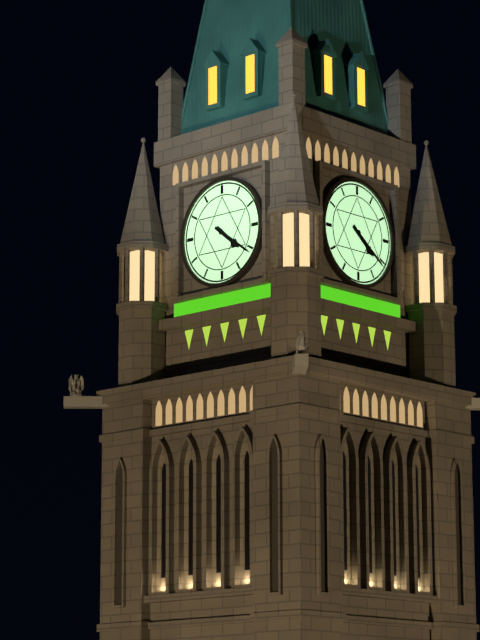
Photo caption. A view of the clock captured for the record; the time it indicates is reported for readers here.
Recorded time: 4:21
